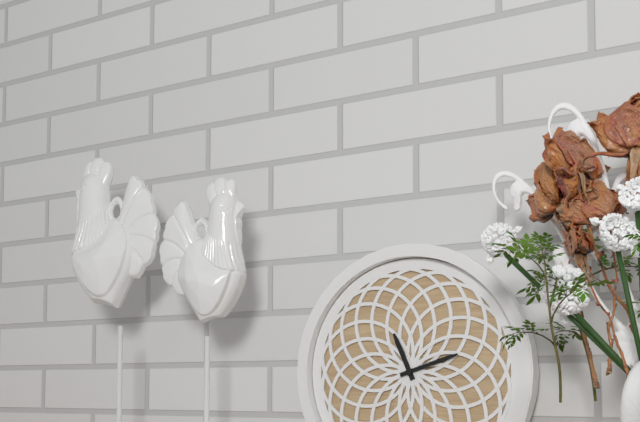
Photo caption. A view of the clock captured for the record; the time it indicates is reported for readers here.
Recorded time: 11:12
